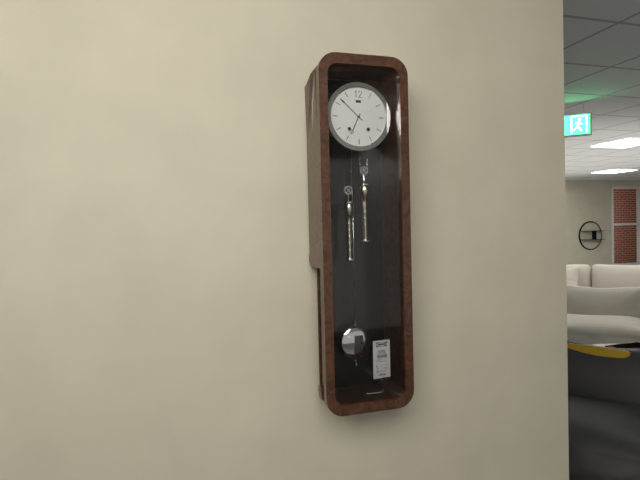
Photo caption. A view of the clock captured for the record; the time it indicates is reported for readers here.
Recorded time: 6:52
